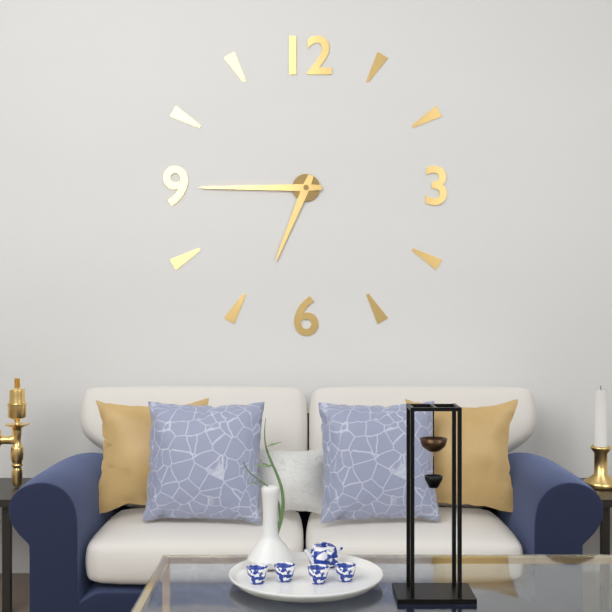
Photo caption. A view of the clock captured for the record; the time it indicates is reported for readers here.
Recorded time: 6:45
